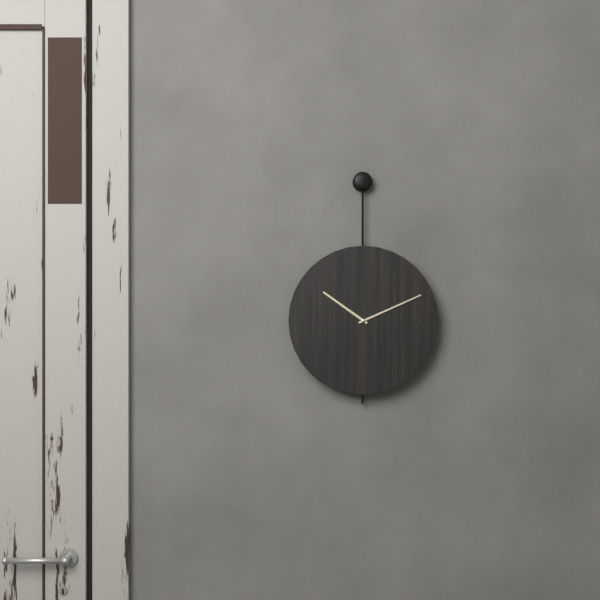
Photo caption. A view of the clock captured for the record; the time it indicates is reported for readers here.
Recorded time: 10:11
